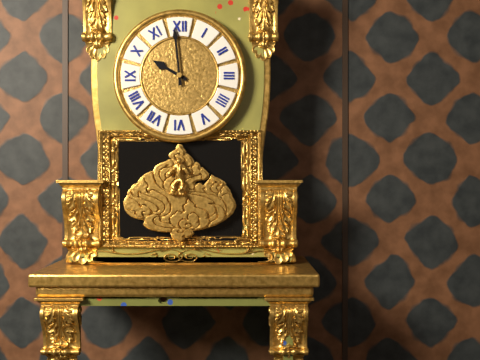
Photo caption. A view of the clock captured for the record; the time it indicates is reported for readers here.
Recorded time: 9:59
